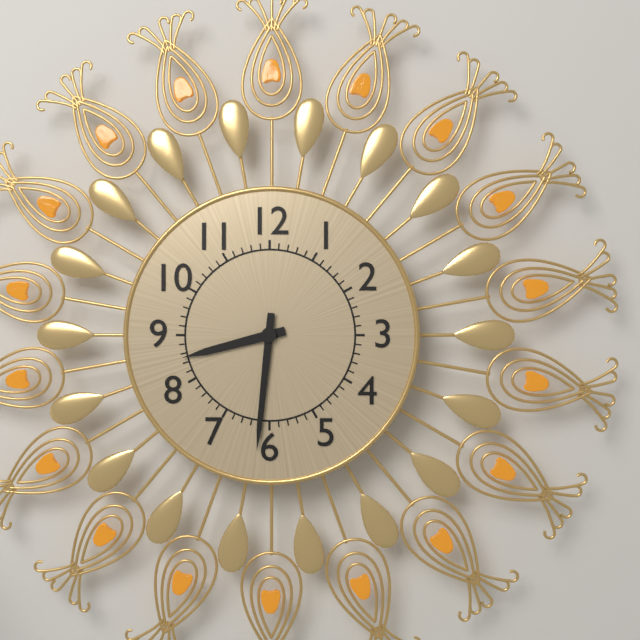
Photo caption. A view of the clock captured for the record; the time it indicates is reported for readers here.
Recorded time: 8:31
